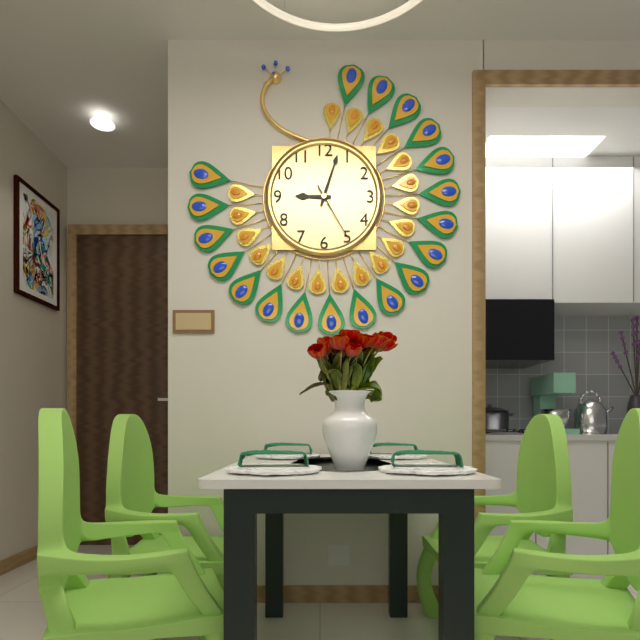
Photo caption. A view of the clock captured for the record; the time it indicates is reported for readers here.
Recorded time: 9:03:25
